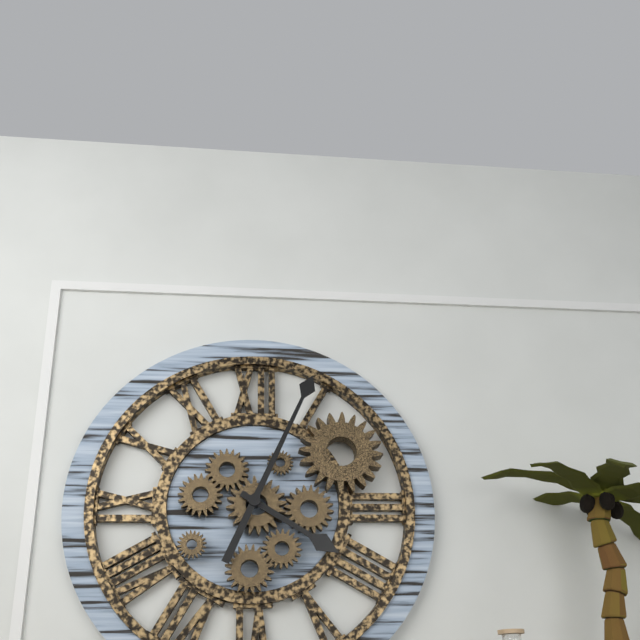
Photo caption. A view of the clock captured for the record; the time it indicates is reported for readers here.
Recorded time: 4:04
